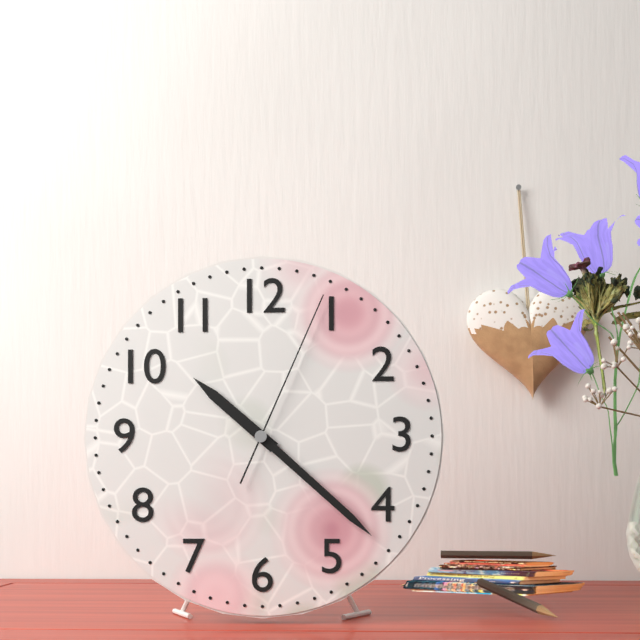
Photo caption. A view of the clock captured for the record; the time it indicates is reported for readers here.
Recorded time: 10:22:04
